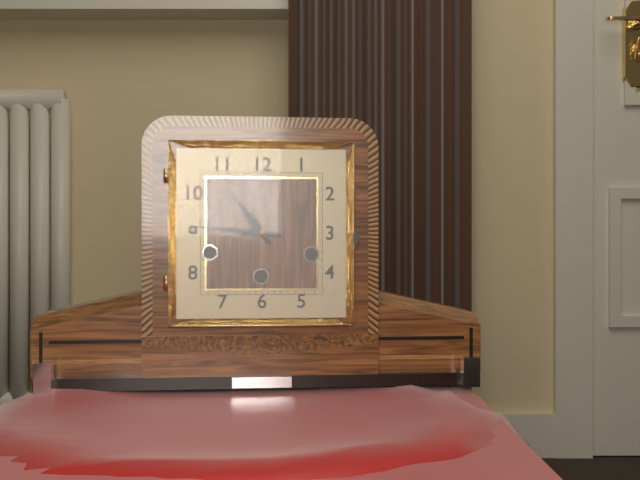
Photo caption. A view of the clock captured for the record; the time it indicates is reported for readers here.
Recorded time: 10:46
